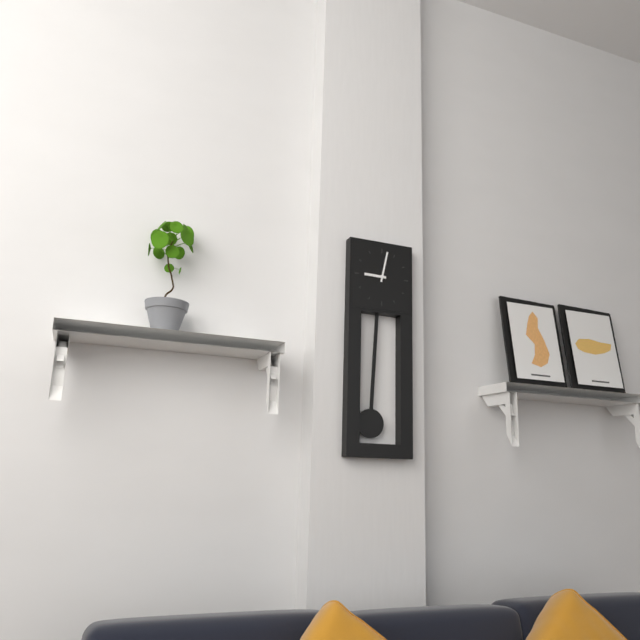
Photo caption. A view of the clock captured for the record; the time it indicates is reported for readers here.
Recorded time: 9:02
